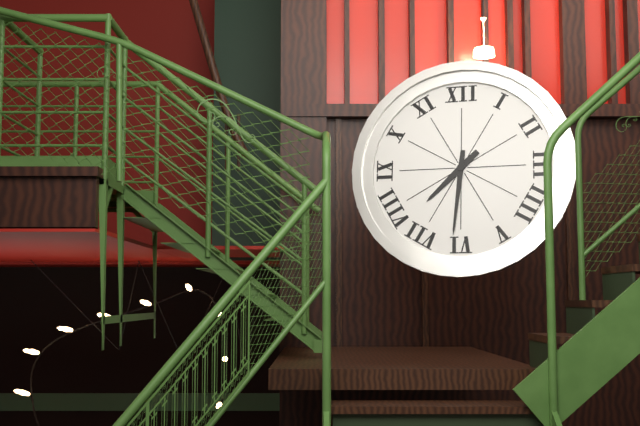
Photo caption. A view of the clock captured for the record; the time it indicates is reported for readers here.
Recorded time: 7:31
